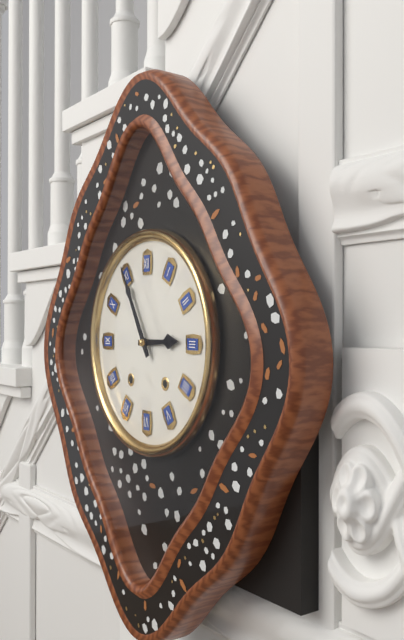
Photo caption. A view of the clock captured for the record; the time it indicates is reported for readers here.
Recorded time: 2:55
